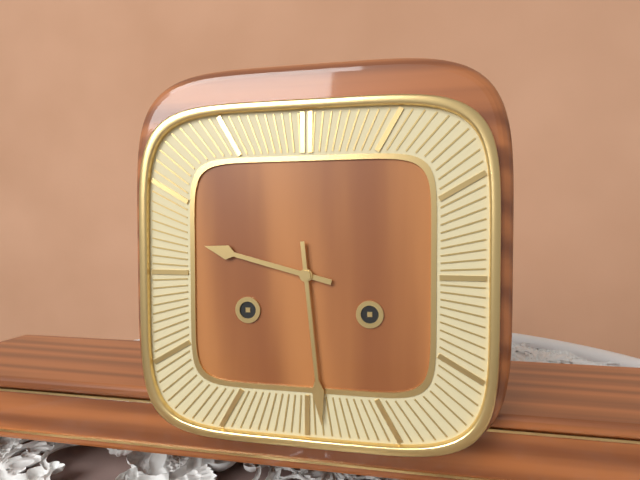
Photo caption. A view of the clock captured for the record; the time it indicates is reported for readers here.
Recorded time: 9:29
